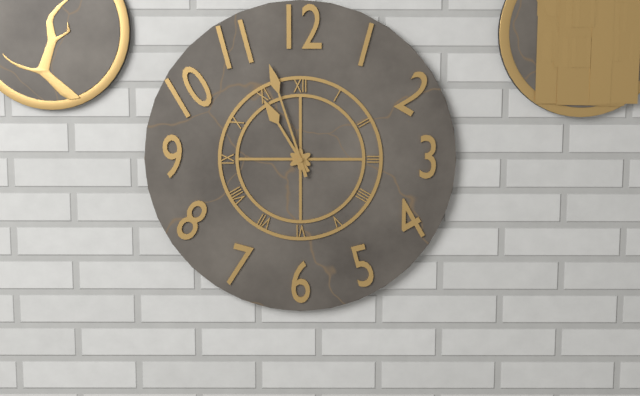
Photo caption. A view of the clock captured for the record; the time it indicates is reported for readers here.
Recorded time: 10:57
